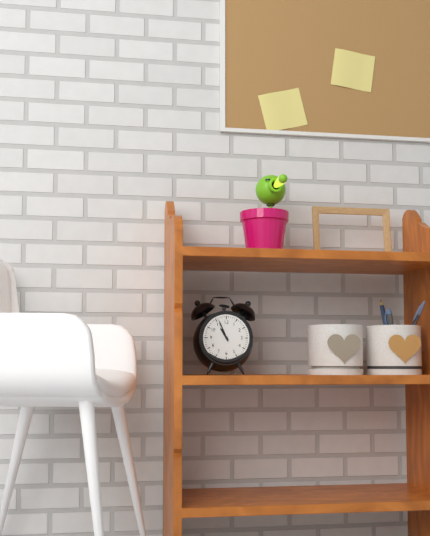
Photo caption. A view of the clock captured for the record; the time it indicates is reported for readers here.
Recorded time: 10:56
